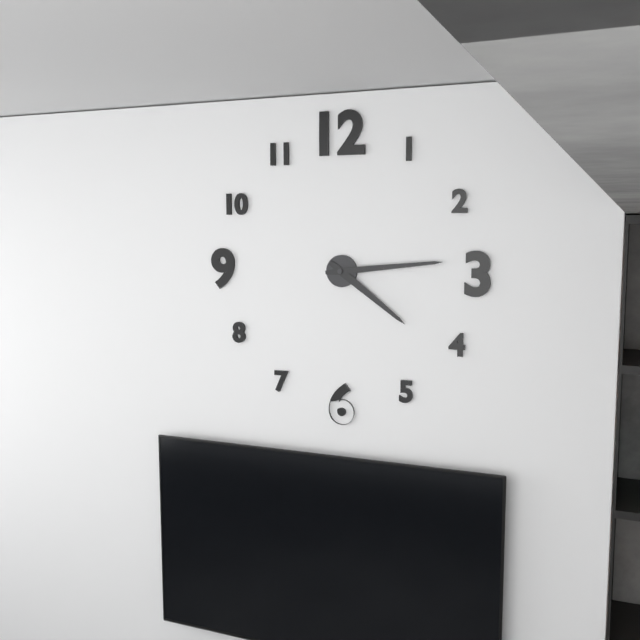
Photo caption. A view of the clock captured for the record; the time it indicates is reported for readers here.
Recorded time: 4:14
